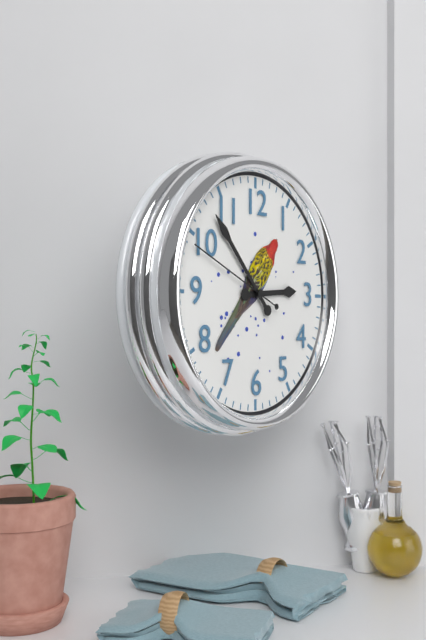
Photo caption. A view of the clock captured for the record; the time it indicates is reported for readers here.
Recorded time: 2:53:49
